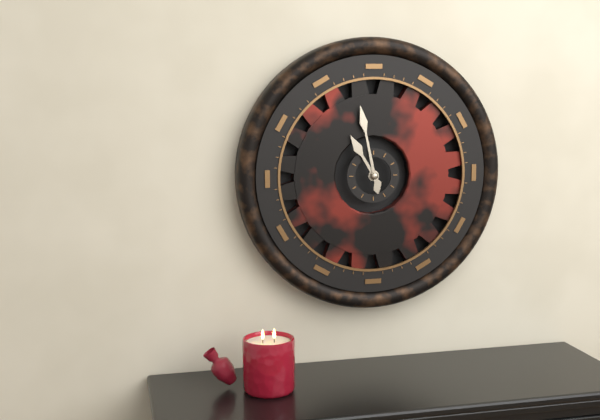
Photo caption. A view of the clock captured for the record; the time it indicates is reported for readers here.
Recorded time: 10:58
